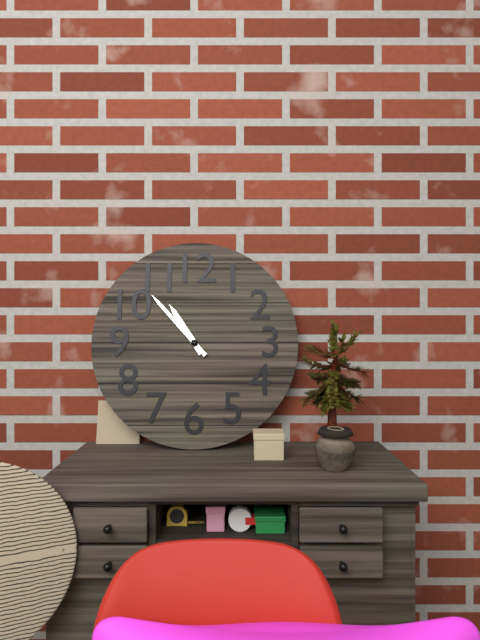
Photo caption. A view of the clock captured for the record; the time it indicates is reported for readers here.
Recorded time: 10:53
